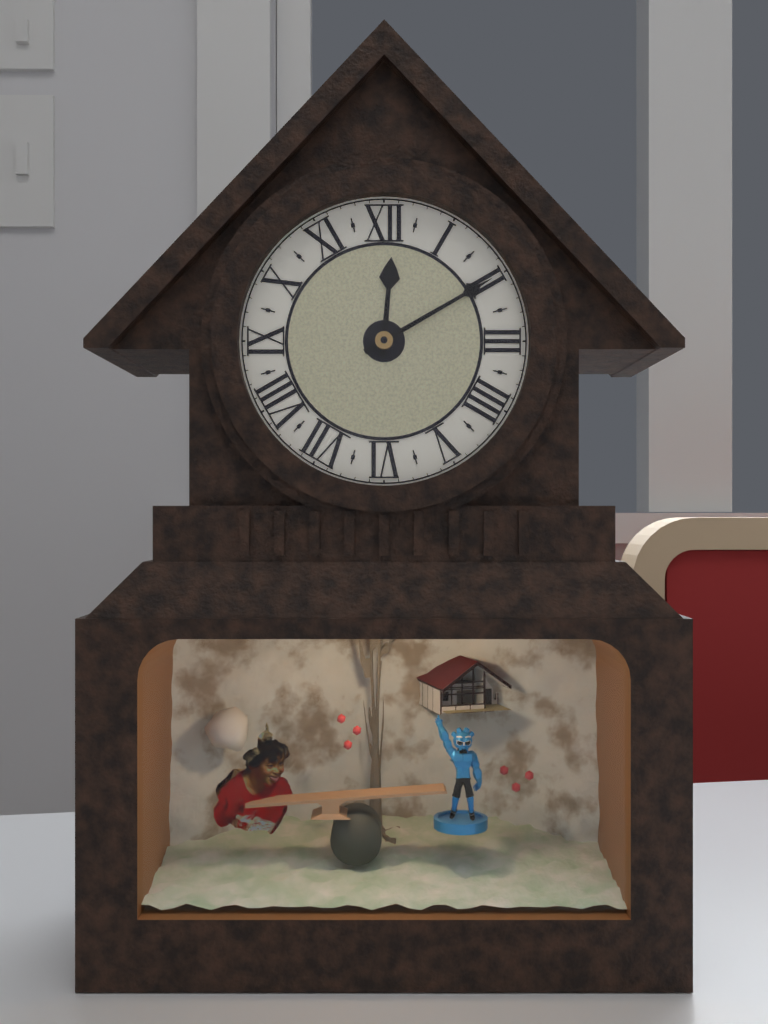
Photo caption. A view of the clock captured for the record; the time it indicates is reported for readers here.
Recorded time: 12:10
